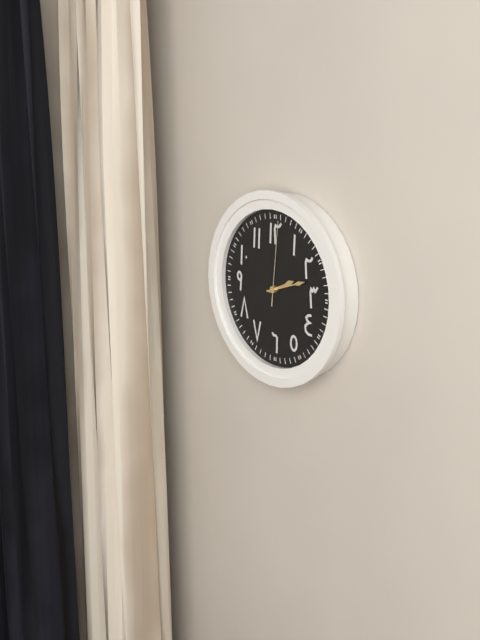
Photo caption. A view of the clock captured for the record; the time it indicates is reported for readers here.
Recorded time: 2:12:01
